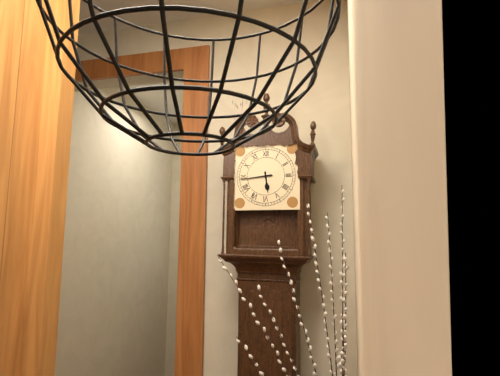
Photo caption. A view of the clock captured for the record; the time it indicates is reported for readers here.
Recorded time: 5:44
